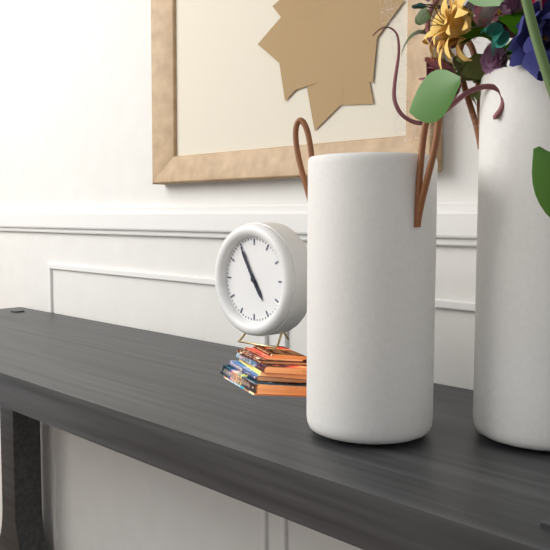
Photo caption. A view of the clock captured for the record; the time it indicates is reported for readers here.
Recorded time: 4:55
